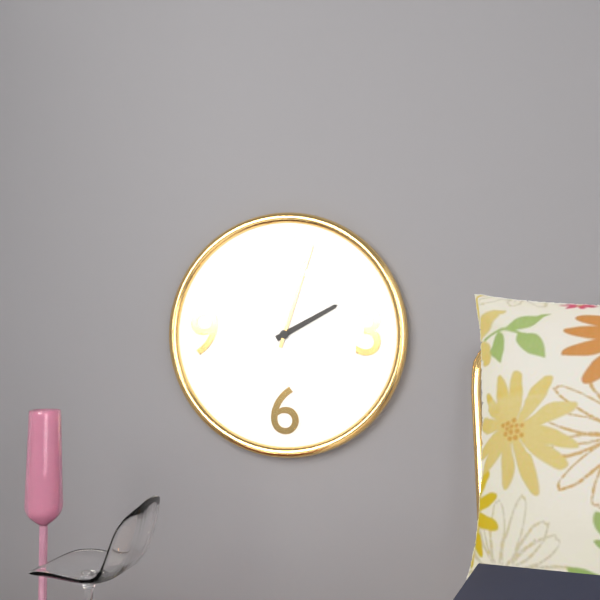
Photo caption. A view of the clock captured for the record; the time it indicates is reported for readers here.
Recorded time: 2:03
